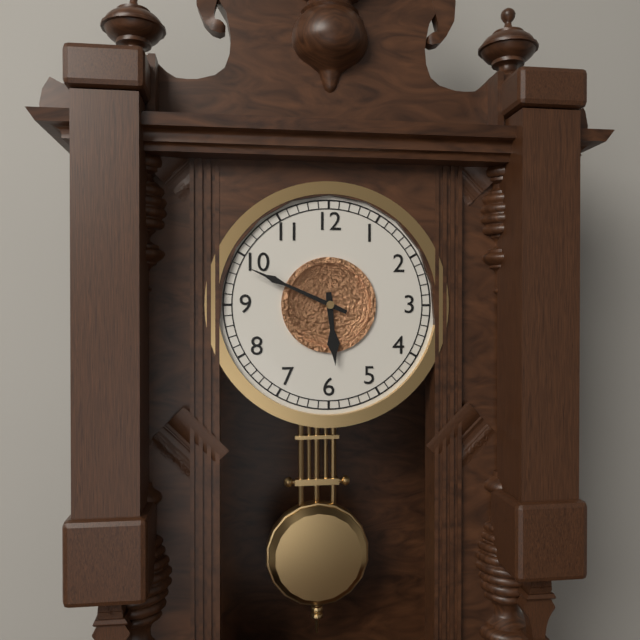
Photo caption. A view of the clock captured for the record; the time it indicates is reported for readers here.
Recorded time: 5:49
